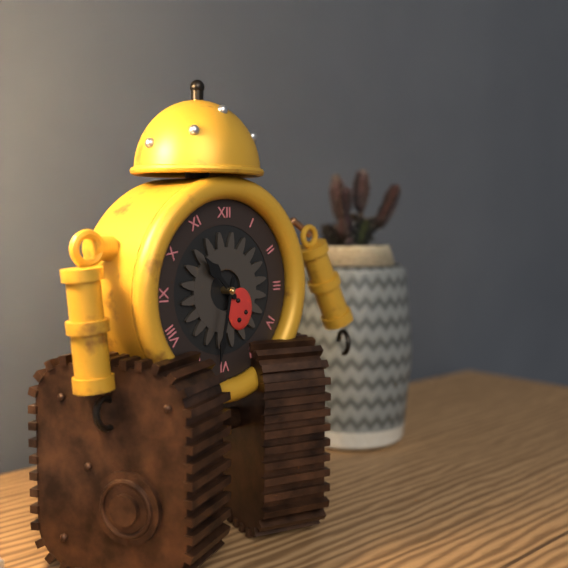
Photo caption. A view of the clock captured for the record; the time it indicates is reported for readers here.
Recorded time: 10:32
